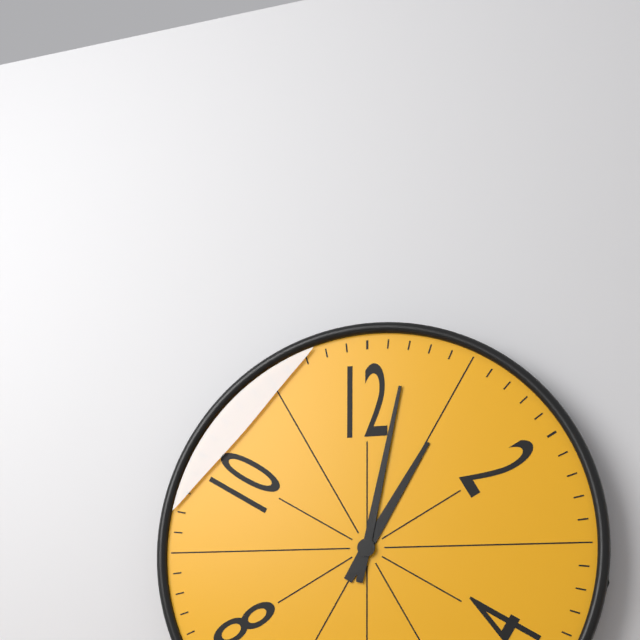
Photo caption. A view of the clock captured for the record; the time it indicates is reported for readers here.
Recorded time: 1:02
